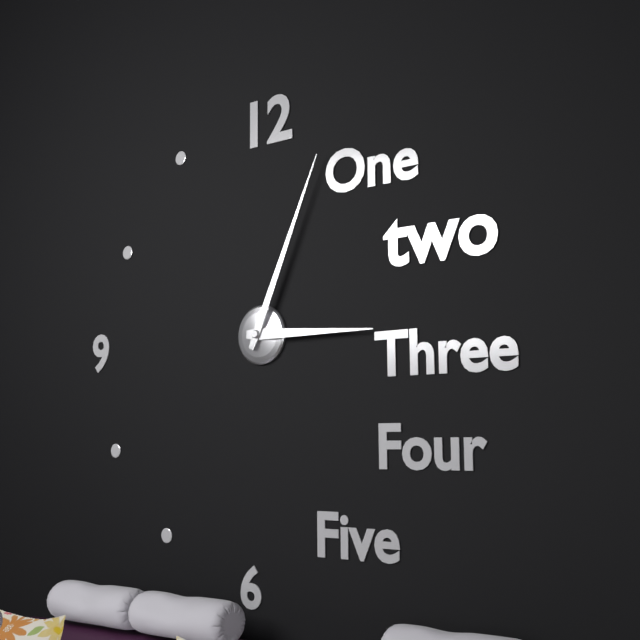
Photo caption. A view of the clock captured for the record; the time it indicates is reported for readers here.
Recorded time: 3:04
